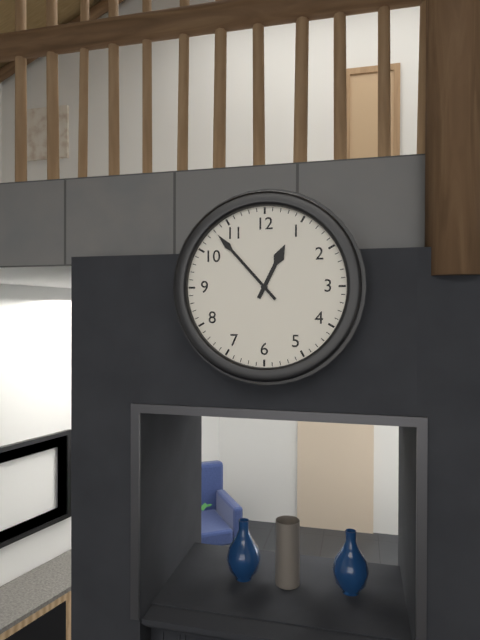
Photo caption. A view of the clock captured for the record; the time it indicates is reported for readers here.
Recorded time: 12:53
